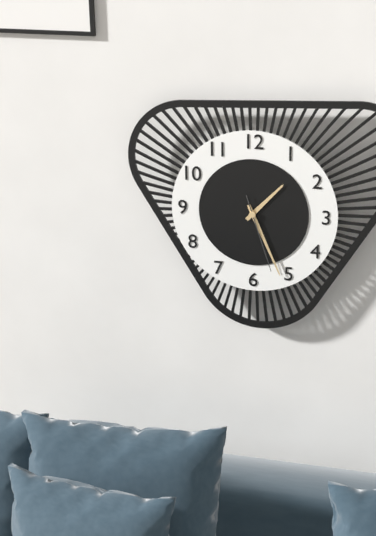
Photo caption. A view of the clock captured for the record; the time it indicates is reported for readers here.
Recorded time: 1:26:27
